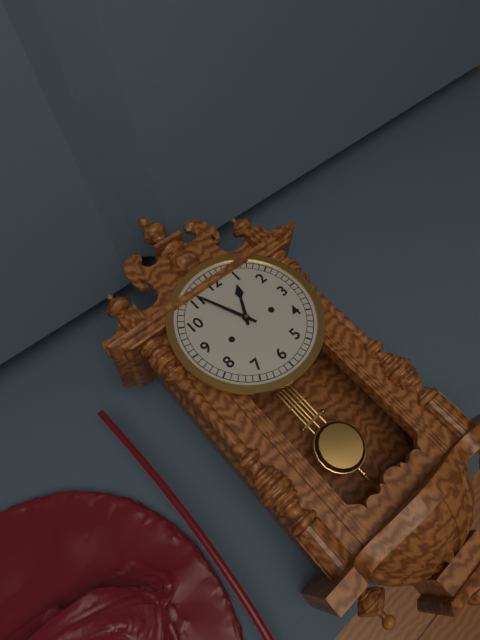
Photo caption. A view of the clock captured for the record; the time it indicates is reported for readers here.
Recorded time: 12:56
